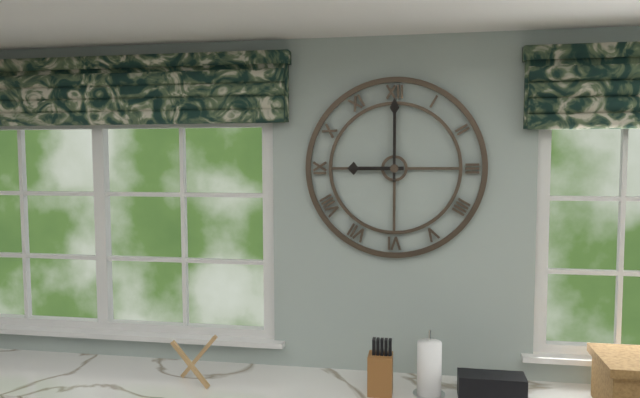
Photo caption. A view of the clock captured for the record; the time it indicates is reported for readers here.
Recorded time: 9:00
